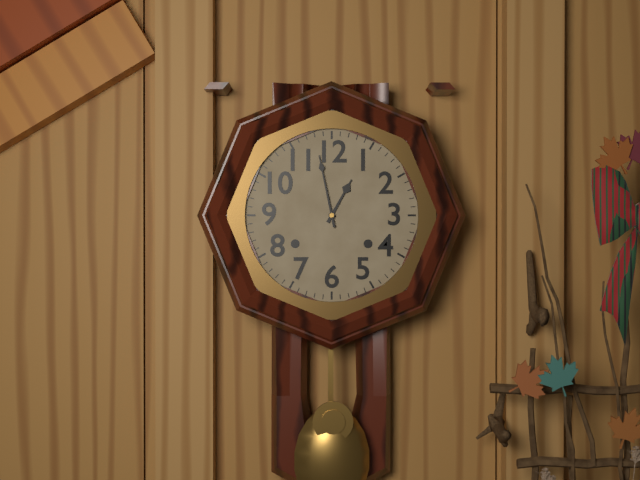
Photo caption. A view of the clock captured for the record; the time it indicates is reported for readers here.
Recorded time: 12:58
